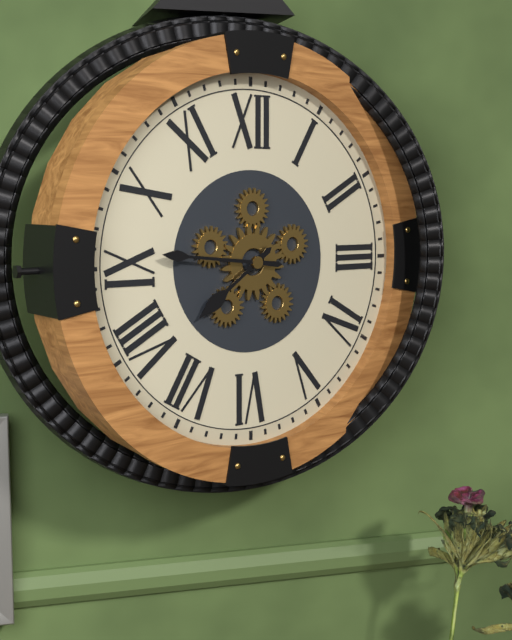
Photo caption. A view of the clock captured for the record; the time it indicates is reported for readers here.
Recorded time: 7:46
